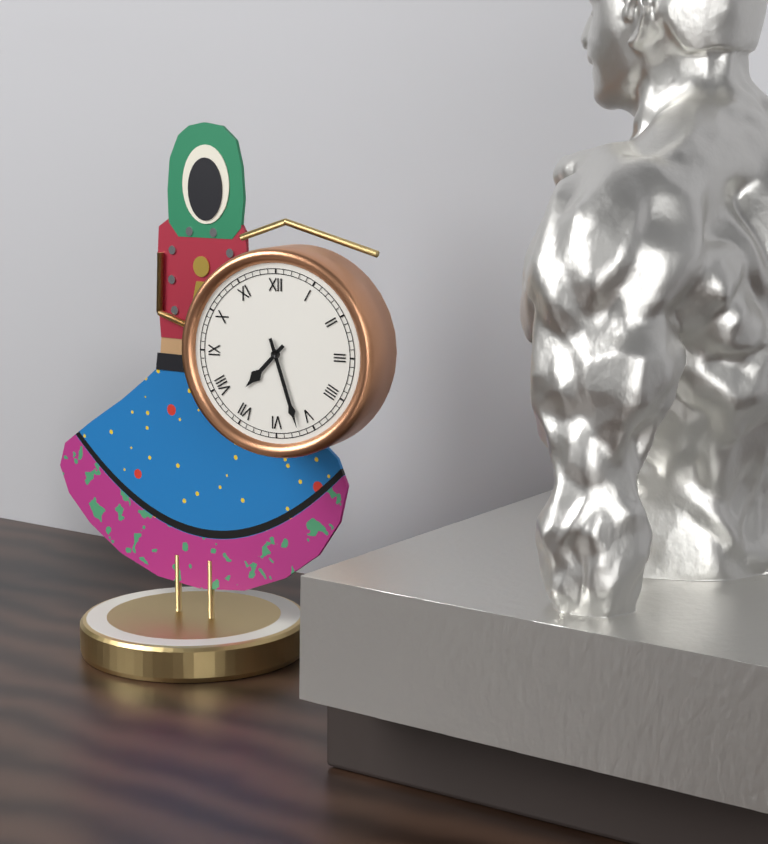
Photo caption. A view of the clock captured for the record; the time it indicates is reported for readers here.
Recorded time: 7:27
